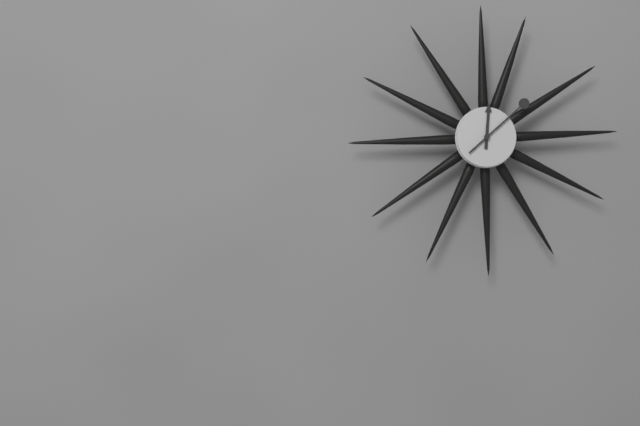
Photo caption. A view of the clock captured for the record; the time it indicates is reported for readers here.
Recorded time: 12:08
